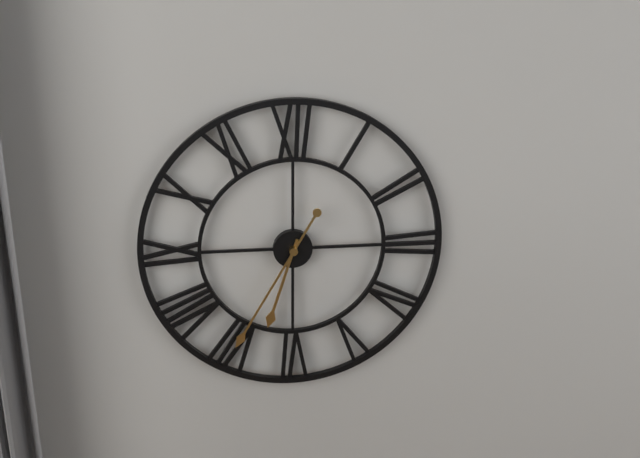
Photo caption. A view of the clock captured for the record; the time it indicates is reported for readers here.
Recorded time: 6:35
